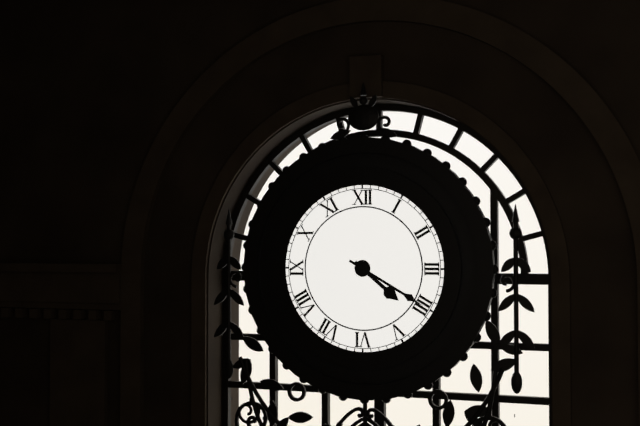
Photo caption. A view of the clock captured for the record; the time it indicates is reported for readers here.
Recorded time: 4:20
